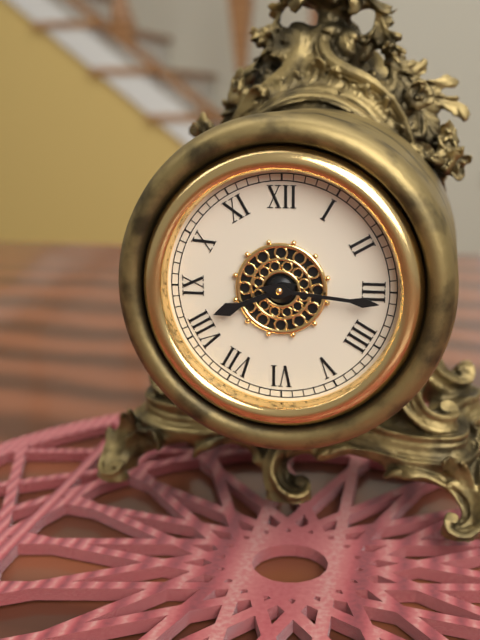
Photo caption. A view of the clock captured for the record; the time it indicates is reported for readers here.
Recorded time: 8:16
